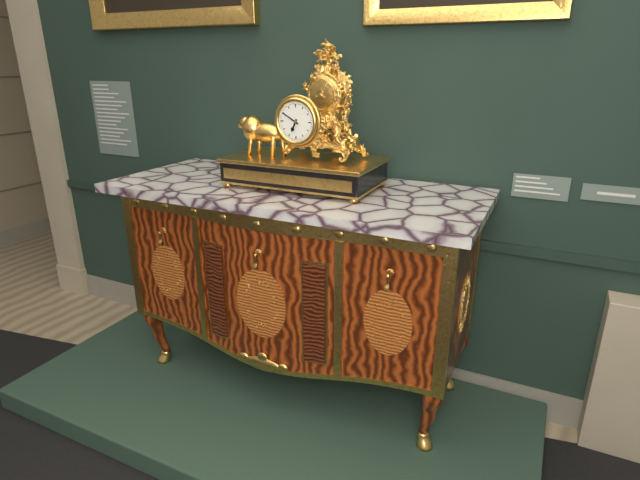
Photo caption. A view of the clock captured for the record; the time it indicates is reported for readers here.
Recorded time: 6:50
